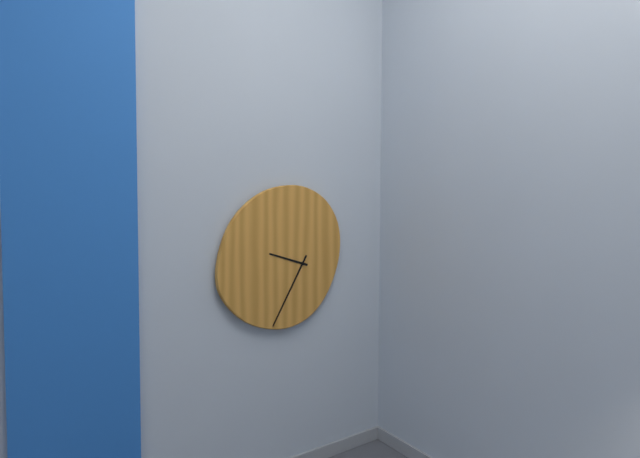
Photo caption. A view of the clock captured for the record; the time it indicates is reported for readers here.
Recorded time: 9:35
